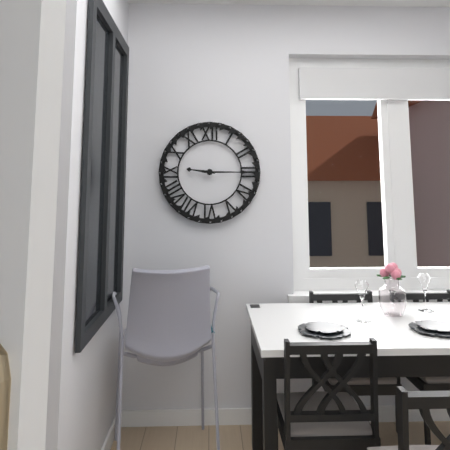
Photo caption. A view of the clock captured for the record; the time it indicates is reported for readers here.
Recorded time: 9:15
